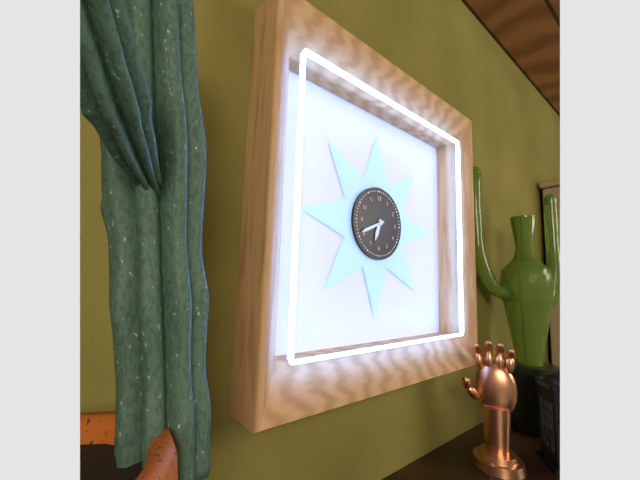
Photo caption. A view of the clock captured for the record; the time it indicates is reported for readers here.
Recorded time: 6:41
